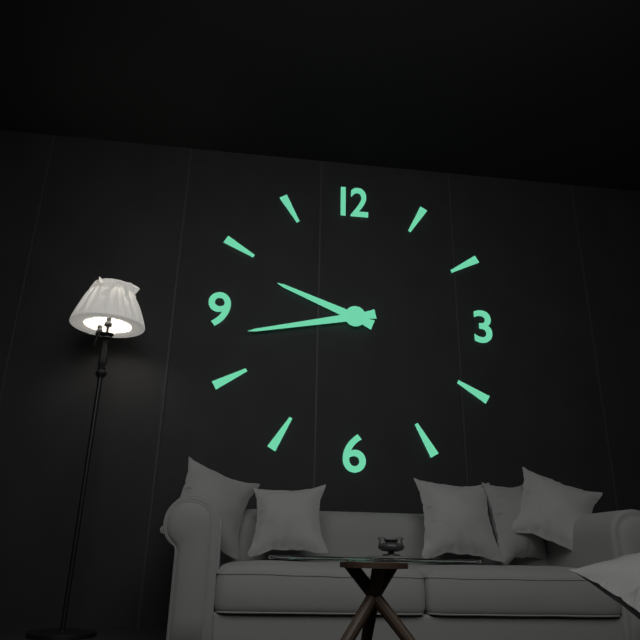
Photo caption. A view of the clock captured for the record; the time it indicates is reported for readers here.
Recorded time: 9:43
